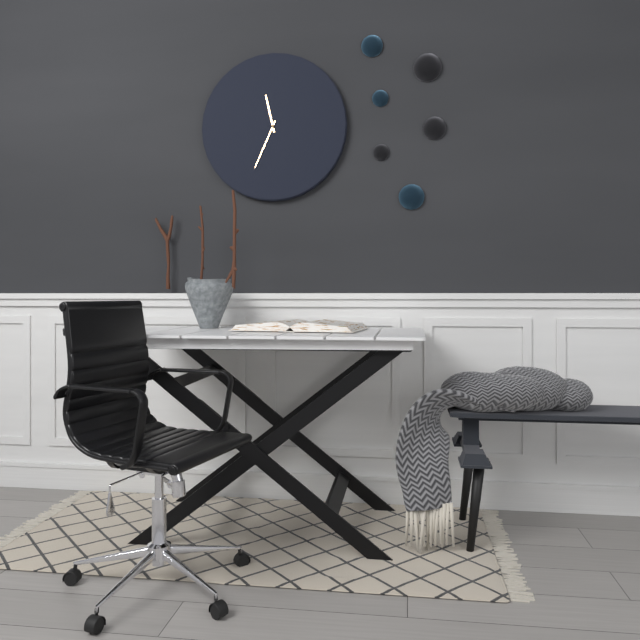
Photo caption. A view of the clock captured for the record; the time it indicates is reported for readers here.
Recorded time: 11:34
